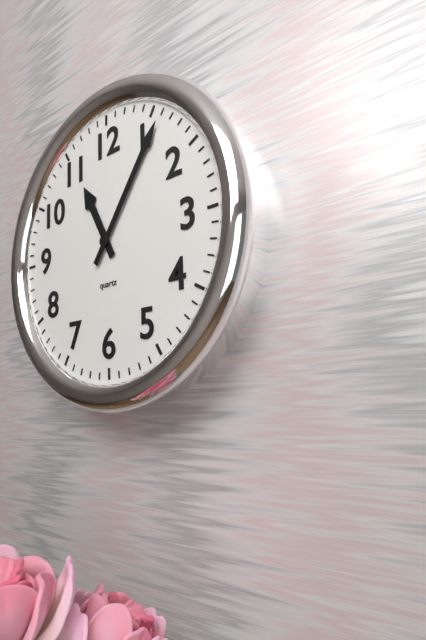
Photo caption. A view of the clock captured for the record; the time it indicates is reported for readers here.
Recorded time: 11:06
